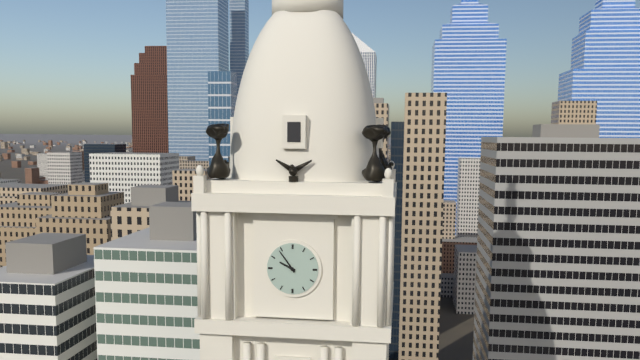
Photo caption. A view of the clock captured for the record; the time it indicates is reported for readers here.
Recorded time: 9:54
